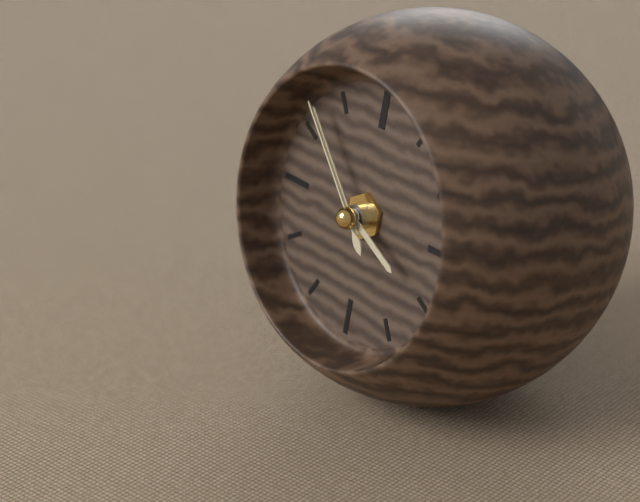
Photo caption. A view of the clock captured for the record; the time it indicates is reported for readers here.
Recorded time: 3:53:53
